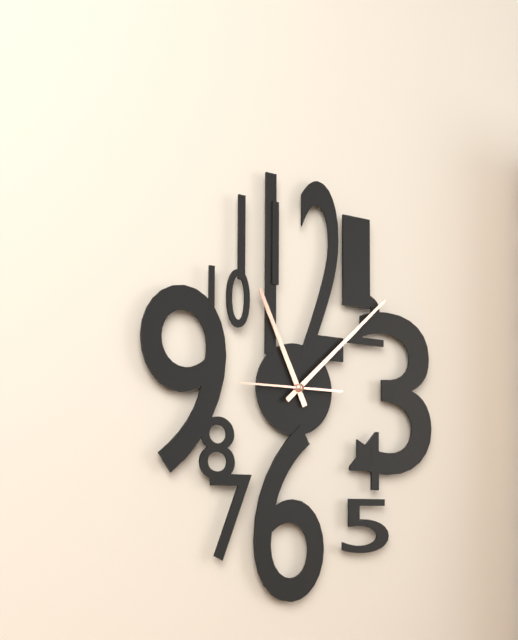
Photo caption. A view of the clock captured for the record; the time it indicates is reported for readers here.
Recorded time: 11:08:45
